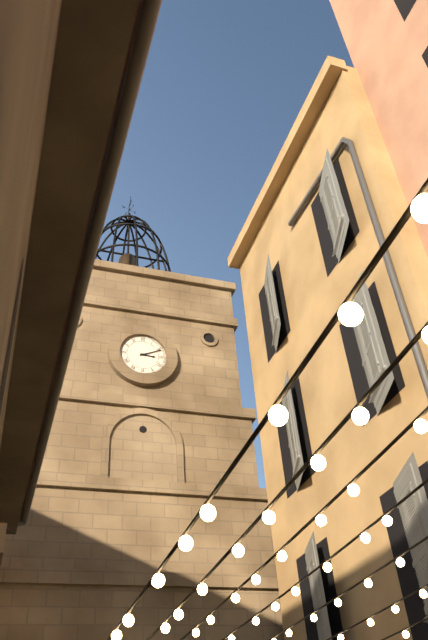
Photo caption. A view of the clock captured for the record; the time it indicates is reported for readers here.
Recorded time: 3:11
